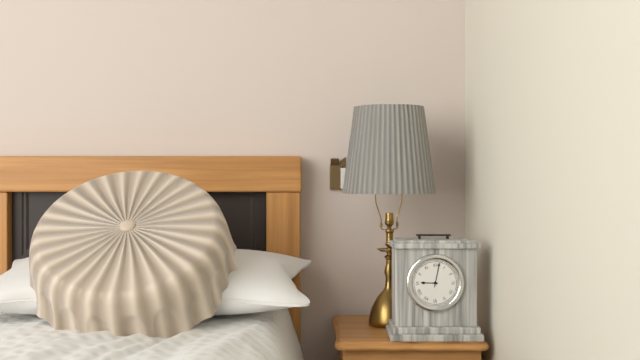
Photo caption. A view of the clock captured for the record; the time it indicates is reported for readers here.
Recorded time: 9:02
